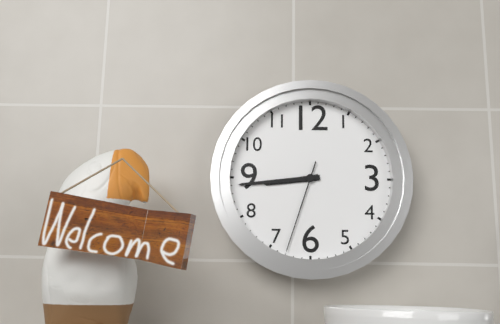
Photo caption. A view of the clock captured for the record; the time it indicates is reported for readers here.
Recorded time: 8:44:33
